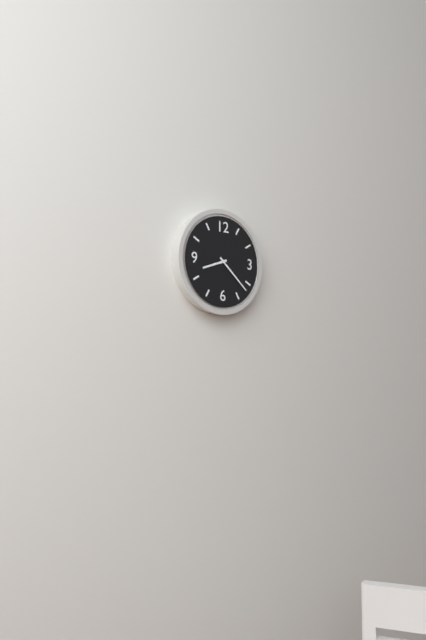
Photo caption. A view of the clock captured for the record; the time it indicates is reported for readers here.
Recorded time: 8:22
